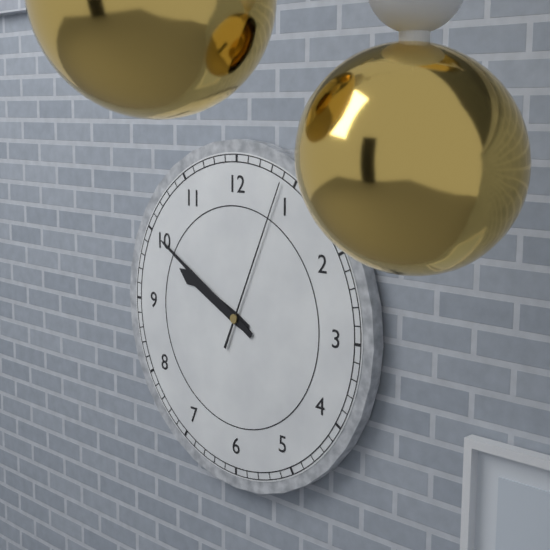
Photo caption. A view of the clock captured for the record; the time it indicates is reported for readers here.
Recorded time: 9:50:04
